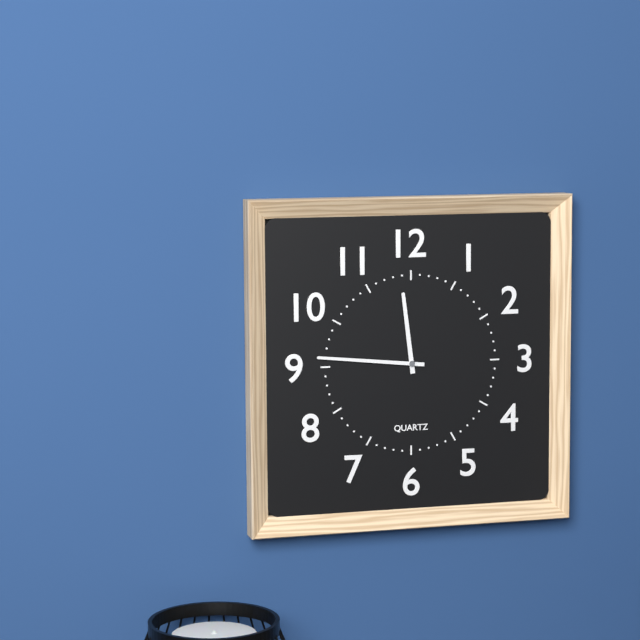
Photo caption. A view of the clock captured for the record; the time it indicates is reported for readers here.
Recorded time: 11:46
